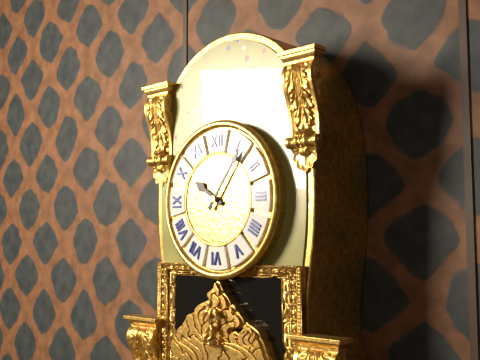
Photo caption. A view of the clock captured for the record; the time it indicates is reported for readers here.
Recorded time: 10:06
